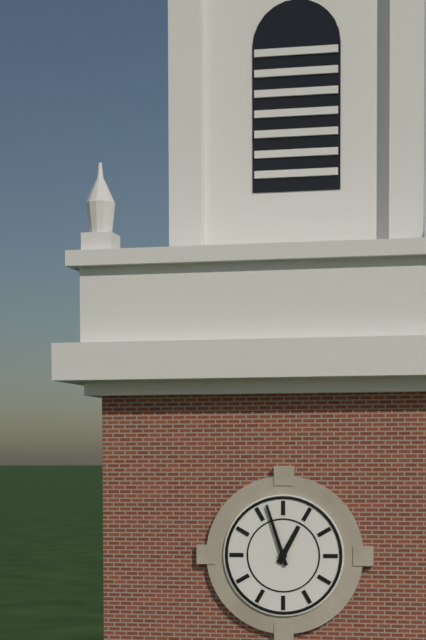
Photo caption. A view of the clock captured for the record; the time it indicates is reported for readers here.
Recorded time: 12:57
